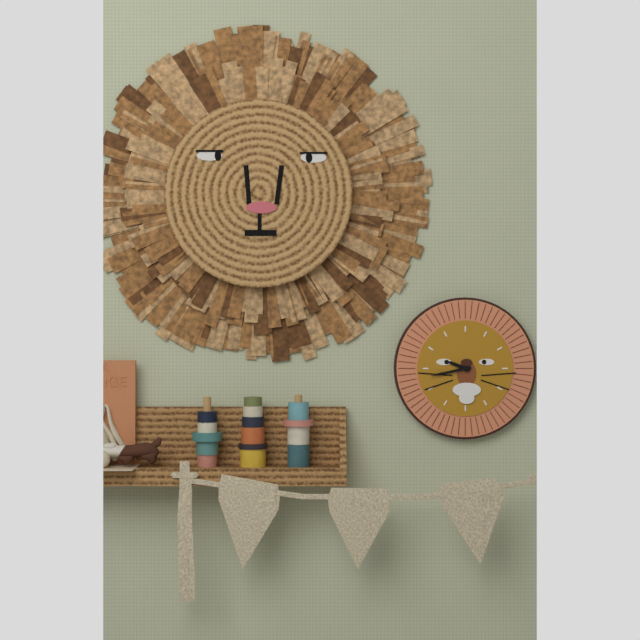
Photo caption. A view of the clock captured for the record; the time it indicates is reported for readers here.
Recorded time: 9:43
